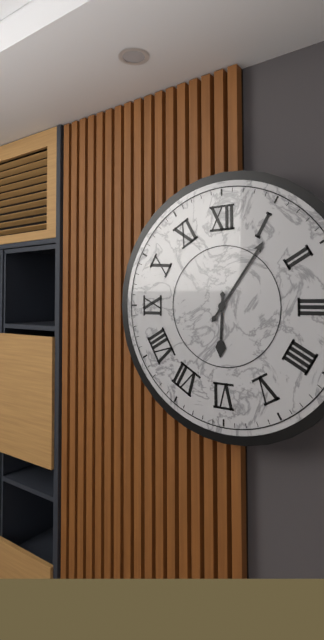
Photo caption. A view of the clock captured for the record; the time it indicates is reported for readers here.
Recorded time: 6:06
